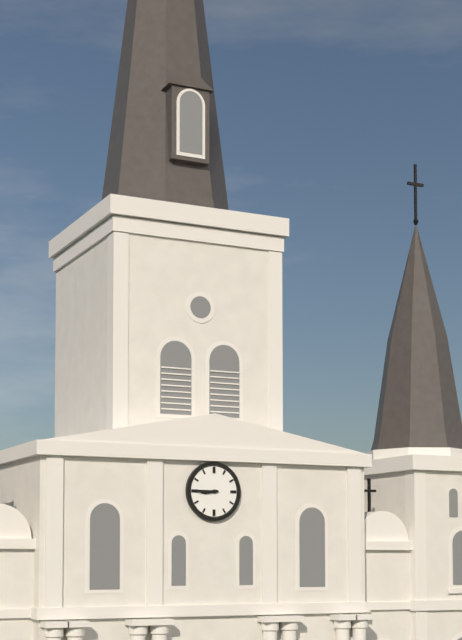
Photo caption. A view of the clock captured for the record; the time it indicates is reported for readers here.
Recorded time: 8:45
